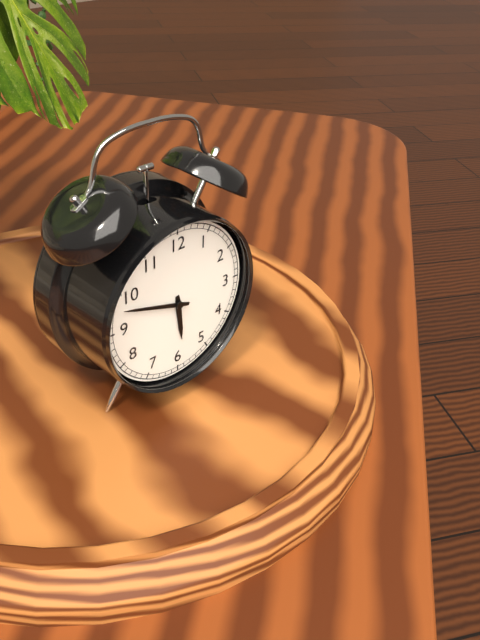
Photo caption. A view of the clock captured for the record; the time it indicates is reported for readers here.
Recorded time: 5:48
